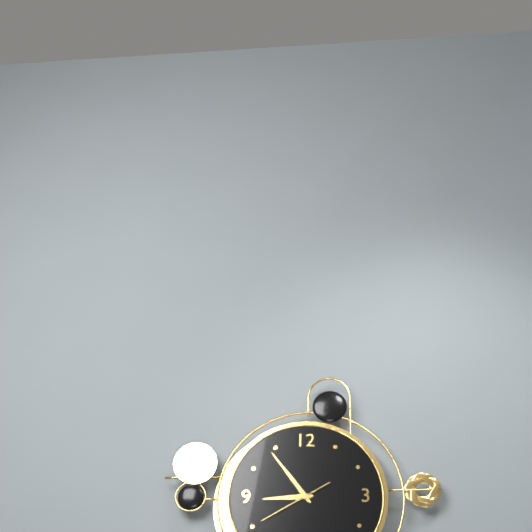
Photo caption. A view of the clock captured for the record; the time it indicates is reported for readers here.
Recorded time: 8:54:40
